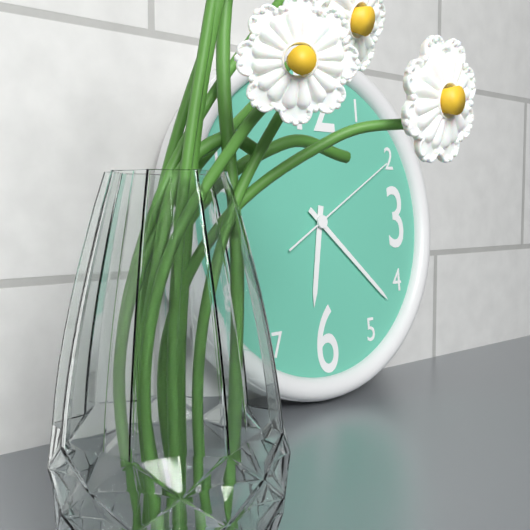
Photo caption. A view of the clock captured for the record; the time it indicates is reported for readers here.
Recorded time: 6:22:10
